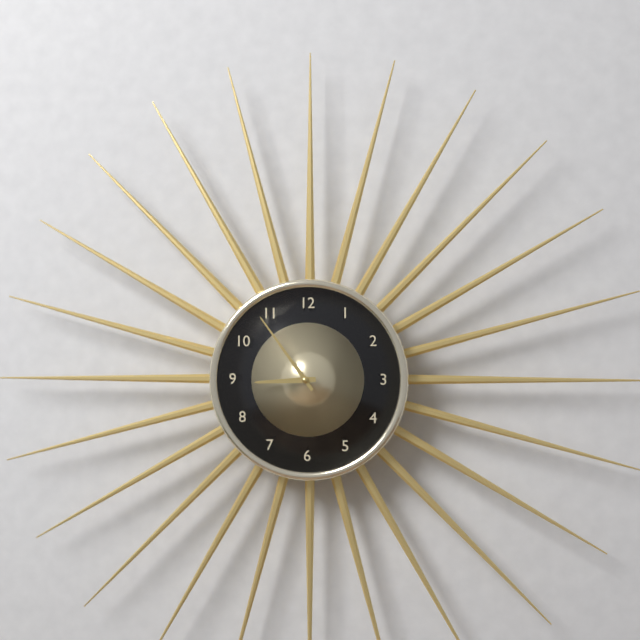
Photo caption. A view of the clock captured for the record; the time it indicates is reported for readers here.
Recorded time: 8:54
